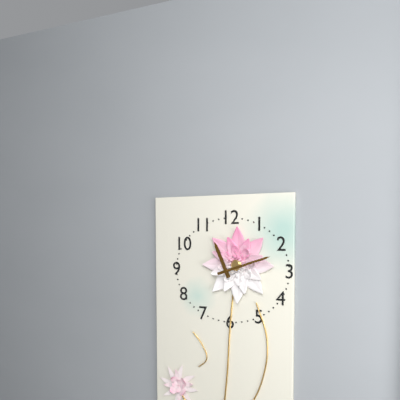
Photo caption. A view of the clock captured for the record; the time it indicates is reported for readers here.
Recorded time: 11:12
